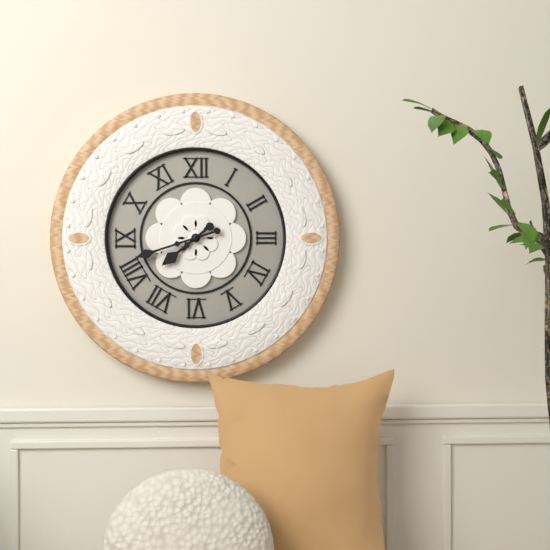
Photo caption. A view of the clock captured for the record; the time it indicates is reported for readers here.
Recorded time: 7:42
